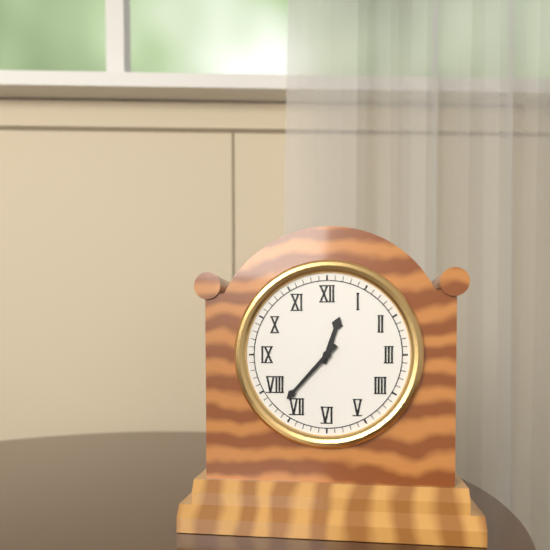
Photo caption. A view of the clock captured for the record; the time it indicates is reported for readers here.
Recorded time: 12:37
